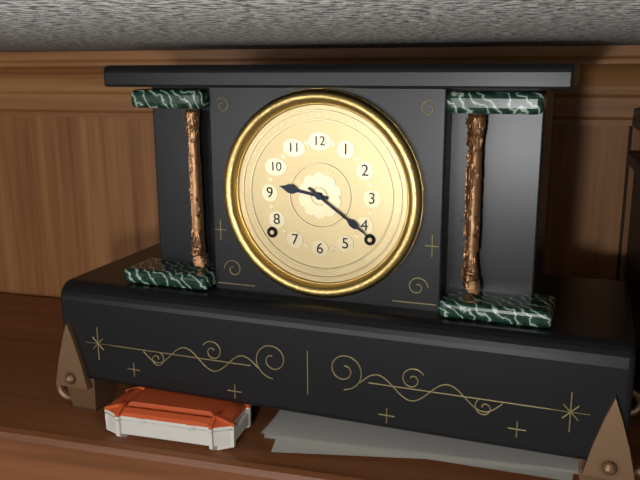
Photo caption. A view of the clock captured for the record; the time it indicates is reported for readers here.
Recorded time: 9:21
